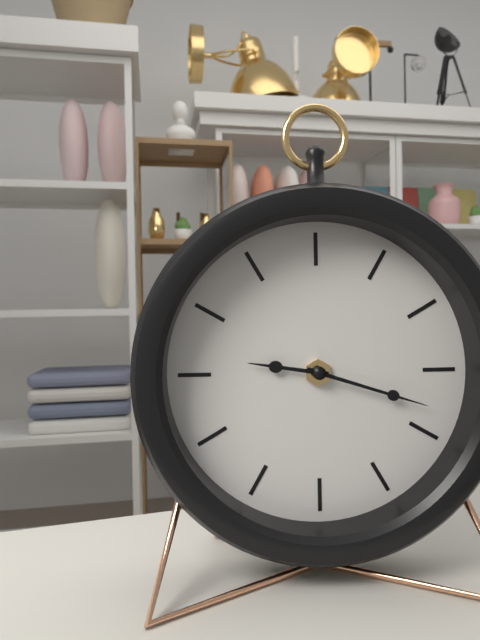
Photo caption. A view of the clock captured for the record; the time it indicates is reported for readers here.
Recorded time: 9:18
